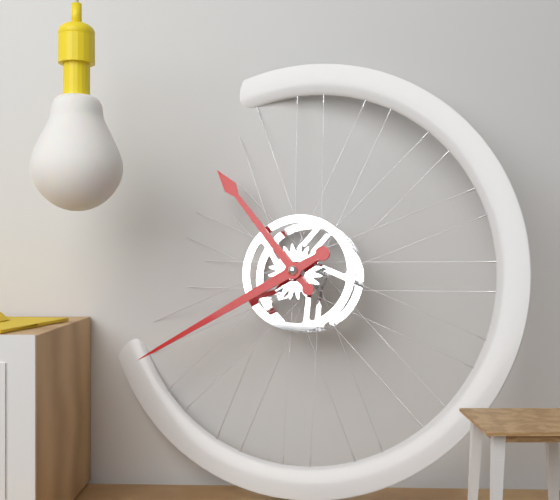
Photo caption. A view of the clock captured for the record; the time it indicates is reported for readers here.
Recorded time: 10:40
